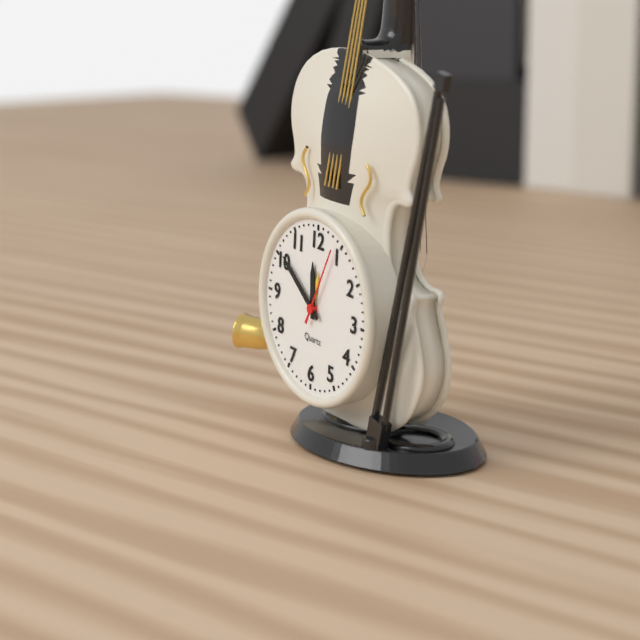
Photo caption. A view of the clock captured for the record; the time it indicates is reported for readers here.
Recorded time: 11:51:04
